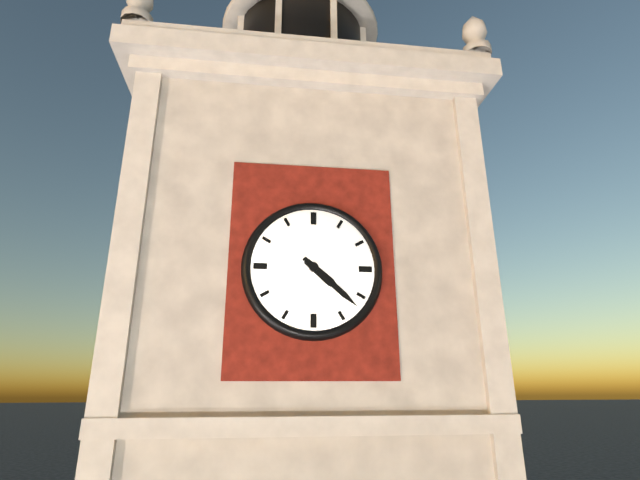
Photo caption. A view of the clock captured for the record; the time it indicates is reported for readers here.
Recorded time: 4:22
